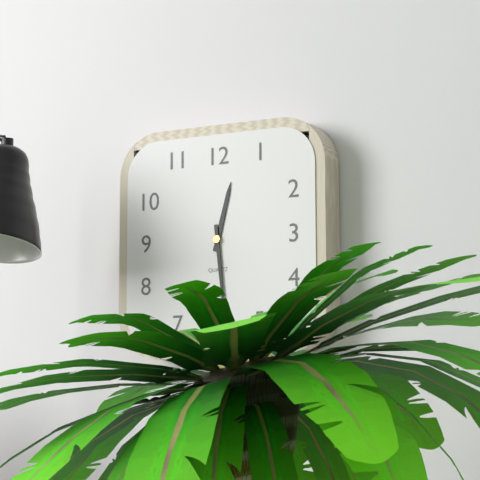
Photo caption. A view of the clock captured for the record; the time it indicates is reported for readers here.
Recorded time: 12:29
